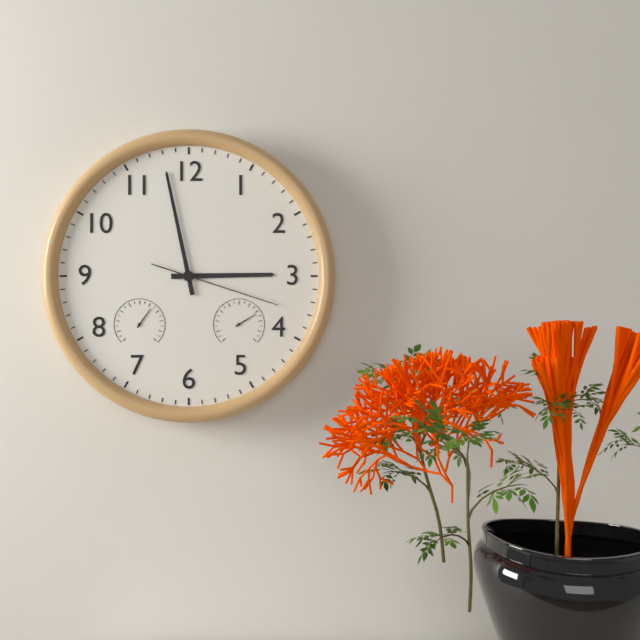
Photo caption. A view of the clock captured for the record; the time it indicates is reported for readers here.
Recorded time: 2:58:18
